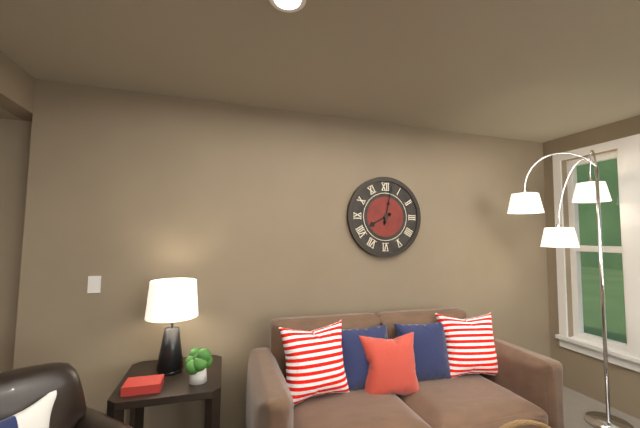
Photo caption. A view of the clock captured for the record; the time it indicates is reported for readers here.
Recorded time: 8:02
